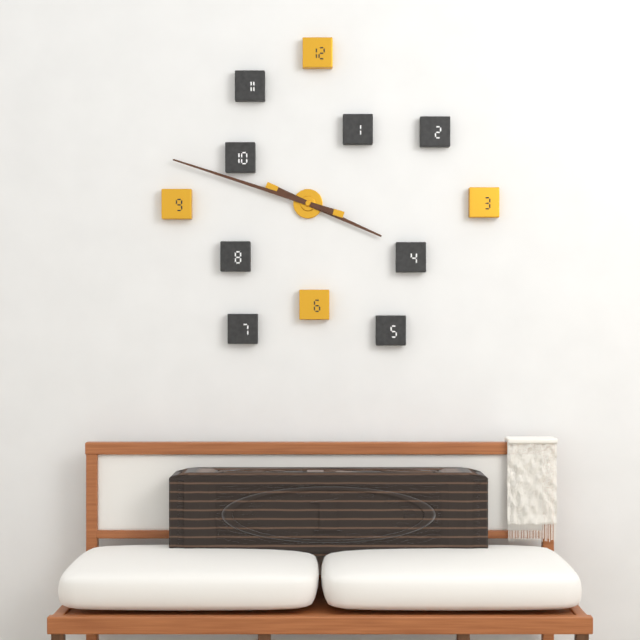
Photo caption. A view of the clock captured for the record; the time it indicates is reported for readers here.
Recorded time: 3:48
